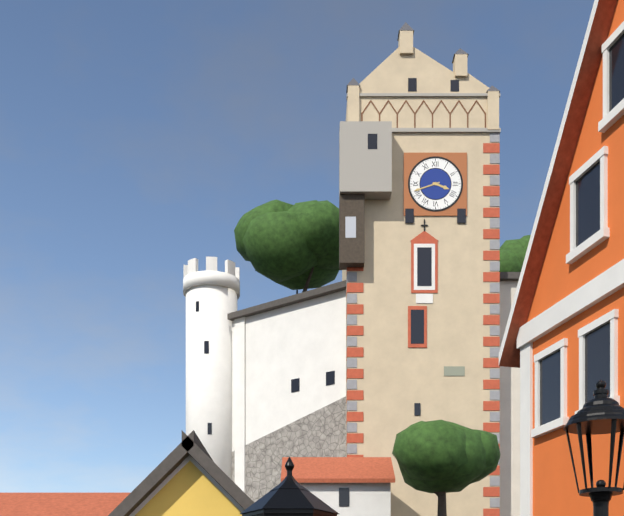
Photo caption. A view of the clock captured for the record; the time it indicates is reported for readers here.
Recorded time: 3:42
